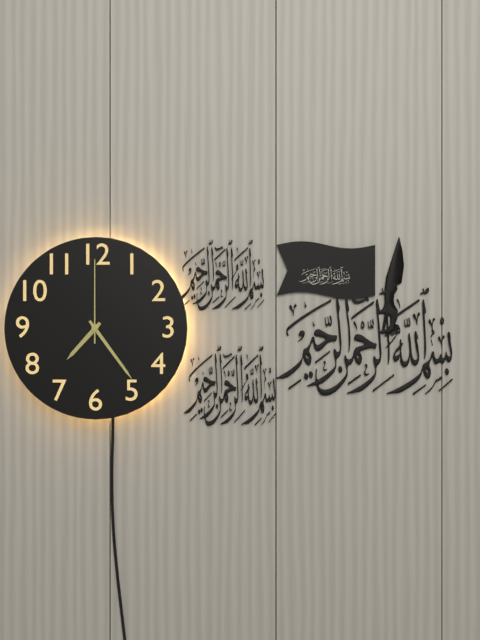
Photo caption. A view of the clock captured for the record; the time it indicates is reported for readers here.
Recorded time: 7:24:00
